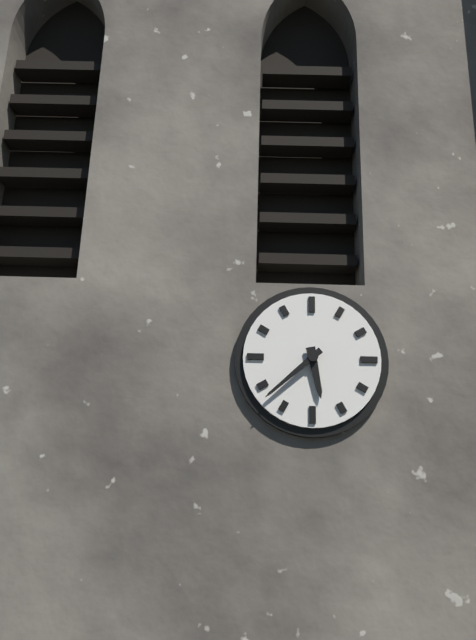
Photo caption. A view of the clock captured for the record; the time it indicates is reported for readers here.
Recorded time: 5:38
